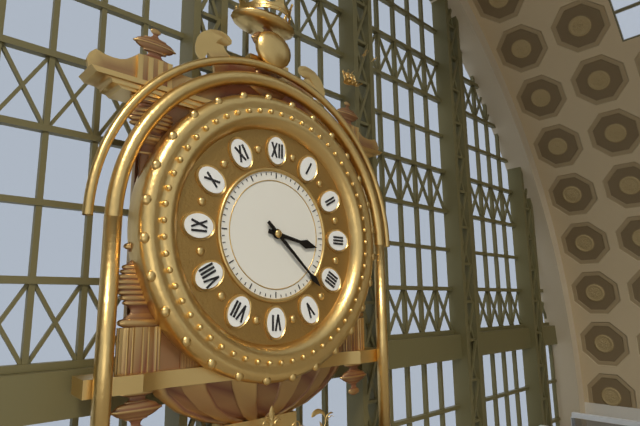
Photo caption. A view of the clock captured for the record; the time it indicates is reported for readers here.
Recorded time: 3:22
